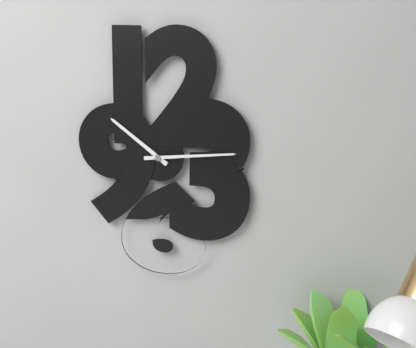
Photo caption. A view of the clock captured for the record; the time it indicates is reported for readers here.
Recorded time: 10:14
